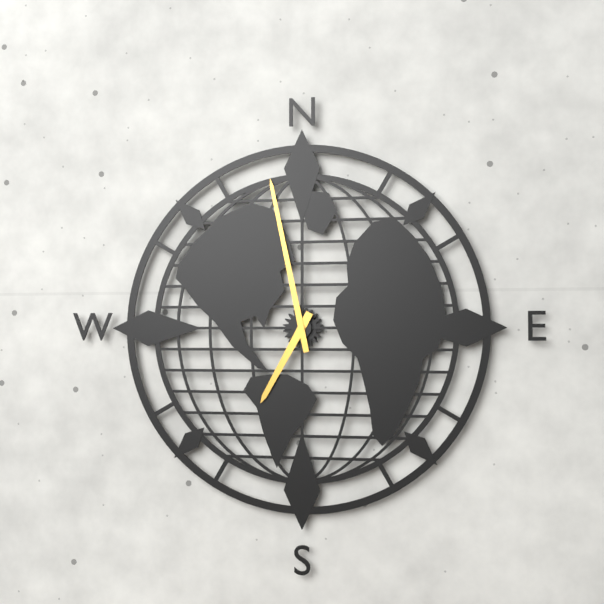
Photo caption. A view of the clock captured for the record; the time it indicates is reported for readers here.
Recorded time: 6:58
